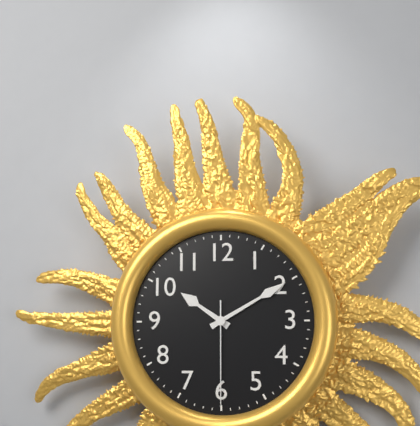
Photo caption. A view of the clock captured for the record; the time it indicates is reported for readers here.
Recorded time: 10:10:30
